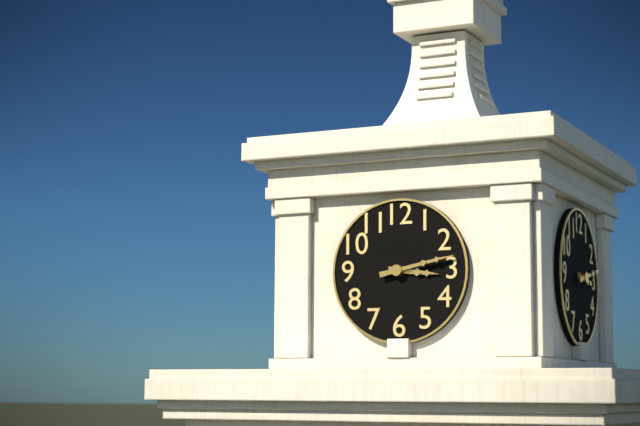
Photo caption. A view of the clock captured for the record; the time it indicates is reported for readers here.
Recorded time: 3:13
